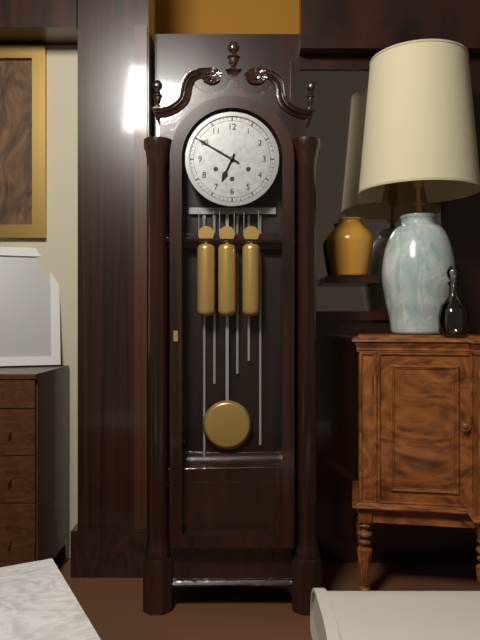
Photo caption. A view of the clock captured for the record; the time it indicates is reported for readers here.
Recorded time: 6:50
